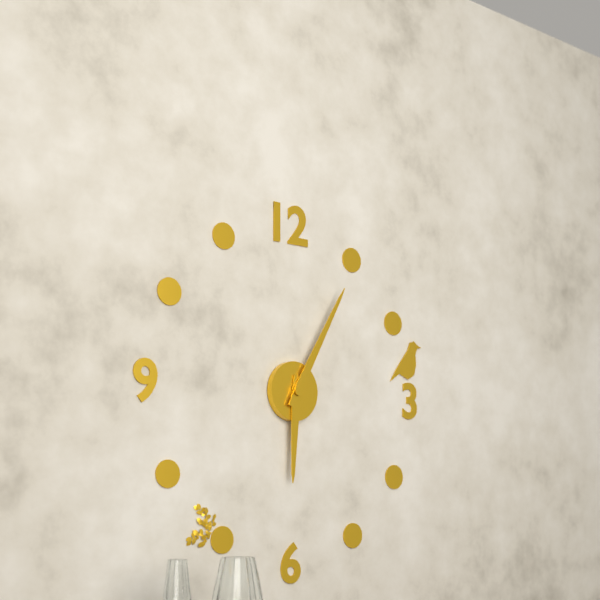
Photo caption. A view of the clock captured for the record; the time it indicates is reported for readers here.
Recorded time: 6:05
